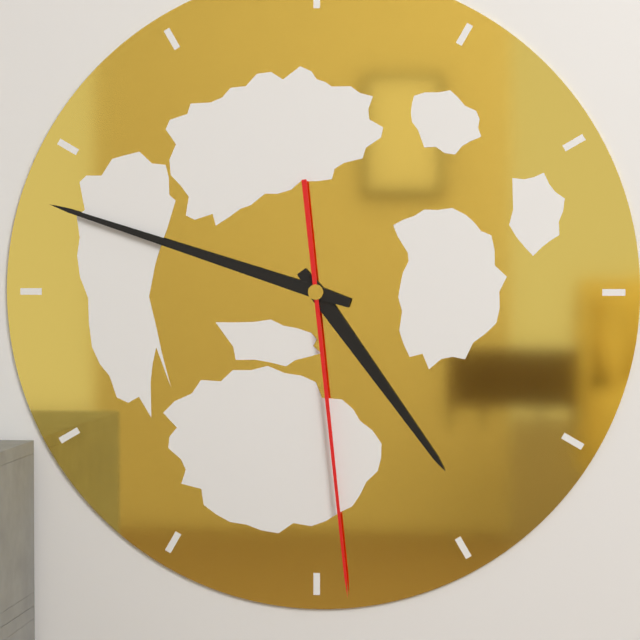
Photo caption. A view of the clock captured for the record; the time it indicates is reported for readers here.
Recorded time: 4:48:29
